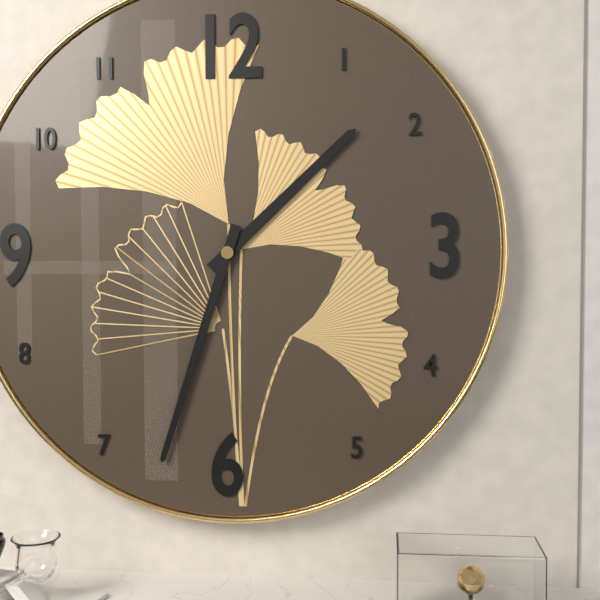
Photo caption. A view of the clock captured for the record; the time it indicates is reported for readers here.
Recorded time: 1:33
